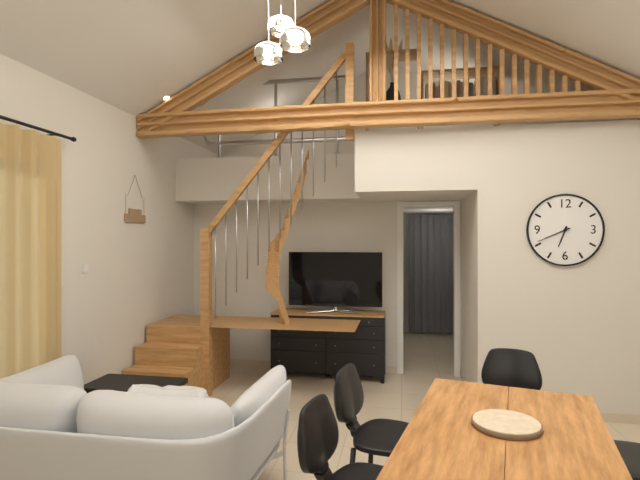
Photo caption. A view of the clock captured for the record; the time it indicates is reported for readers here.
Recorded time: 6:41
